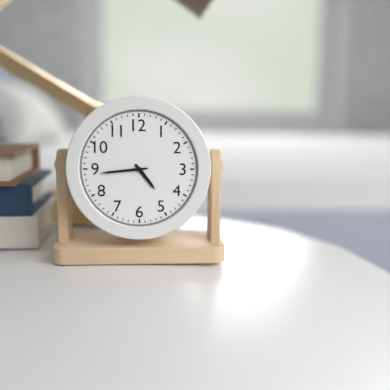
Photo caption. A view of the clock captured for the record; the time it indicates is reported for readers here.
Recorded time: 4:44
